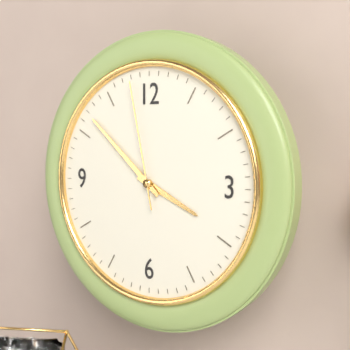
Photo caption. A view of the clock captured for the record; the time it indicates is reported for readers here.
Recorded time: 3:52:58
